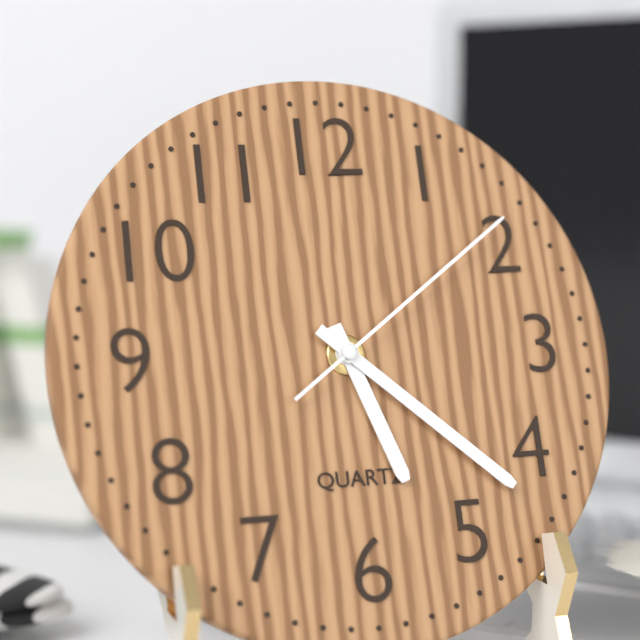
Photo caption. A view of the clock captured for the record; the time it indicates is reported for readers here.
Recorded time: 5:22:09
